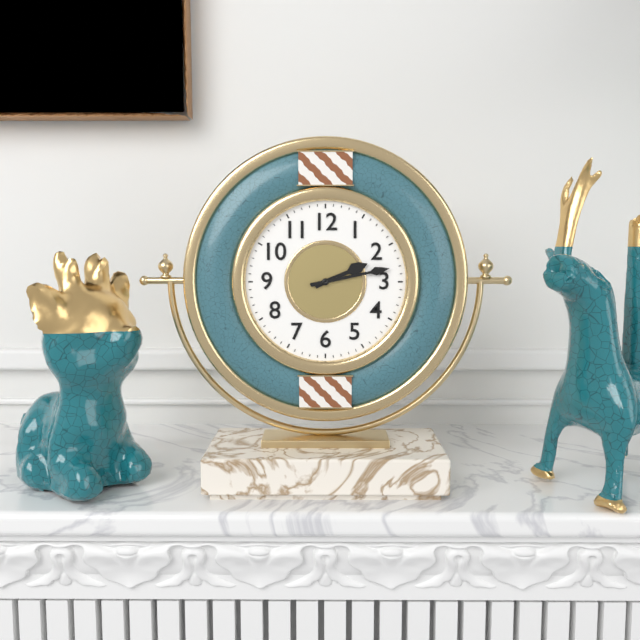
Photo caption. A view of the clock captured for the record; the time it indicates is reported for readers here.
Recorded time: 2:13
